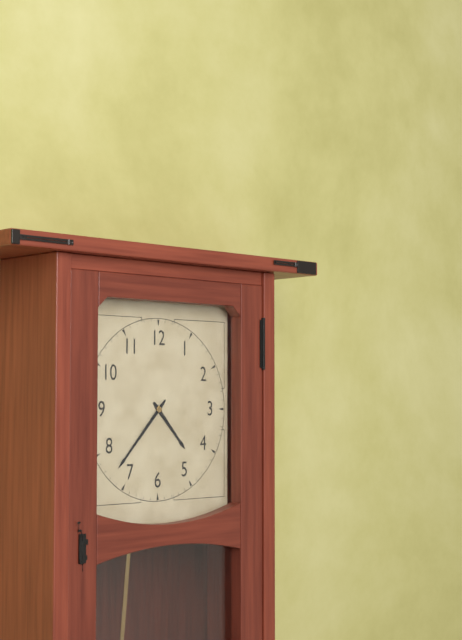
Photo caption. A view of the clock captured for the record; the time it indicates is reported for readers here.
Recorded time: 4:37
